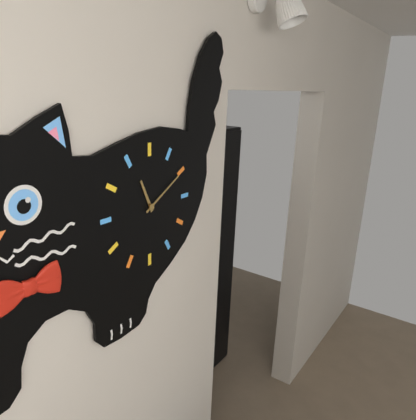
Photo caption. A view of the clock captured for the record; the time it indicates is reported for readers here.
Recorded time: 11:10
